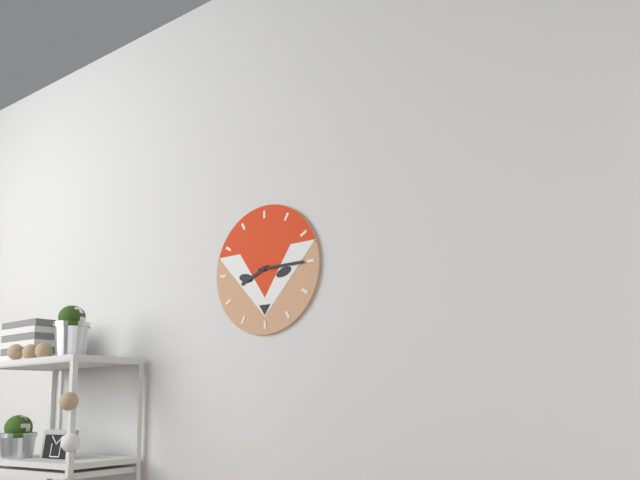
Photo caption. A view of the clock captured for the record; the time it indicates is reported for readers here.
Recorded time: 8:15
